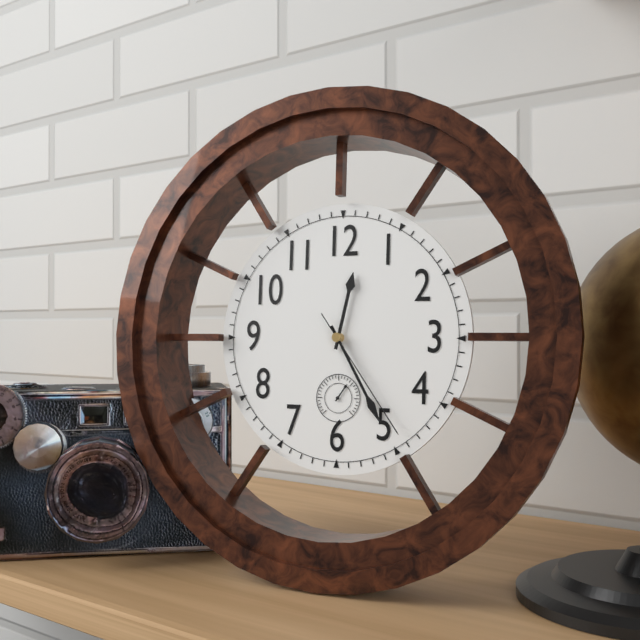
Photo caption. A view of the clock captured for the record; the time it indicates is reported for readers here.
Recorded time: 12:25:24
